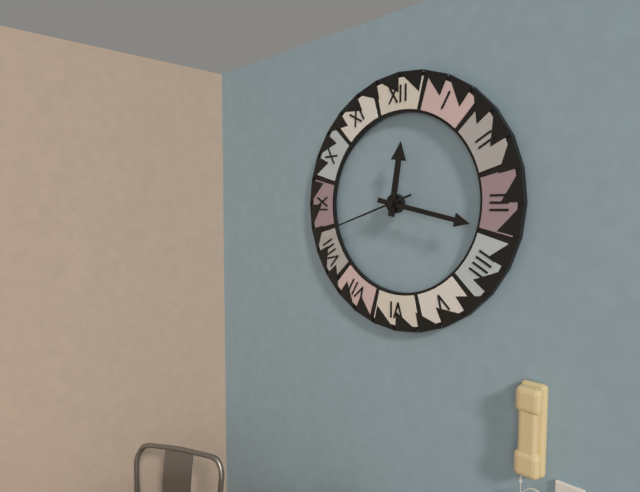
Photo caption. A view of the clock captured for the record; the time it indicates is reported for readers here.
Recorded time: 12:17:42
